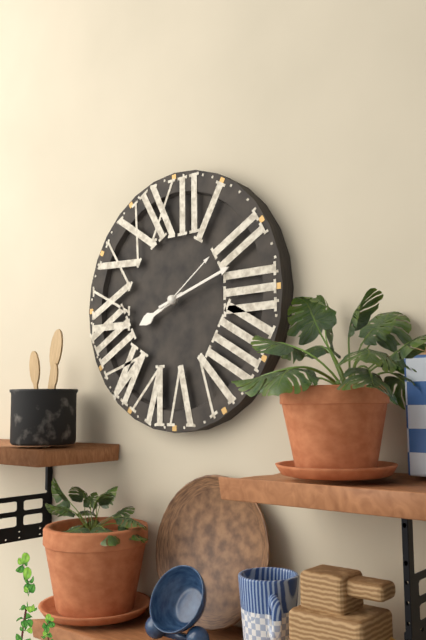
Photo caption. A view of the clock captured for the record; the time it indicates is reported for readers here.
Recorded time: 8:12:09
